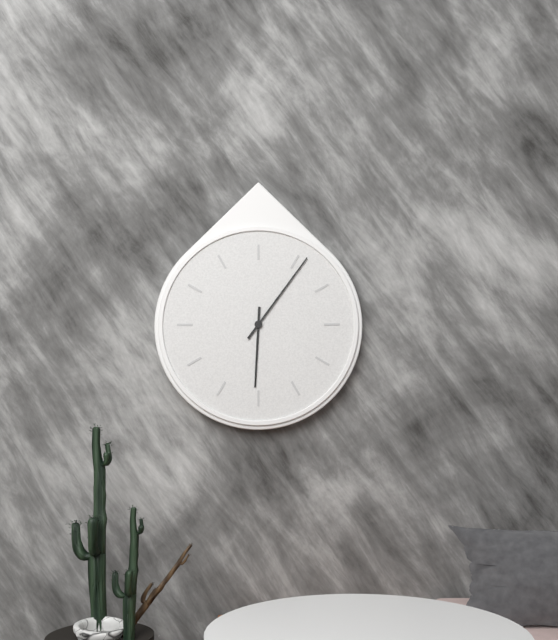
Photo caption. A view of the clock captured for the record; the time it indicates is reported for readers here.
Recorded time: 6:06
